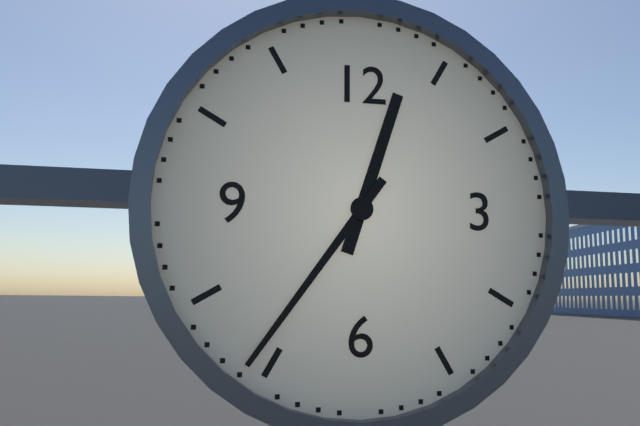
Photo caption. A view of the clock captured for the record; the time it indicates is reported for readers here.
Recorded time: 12:36
